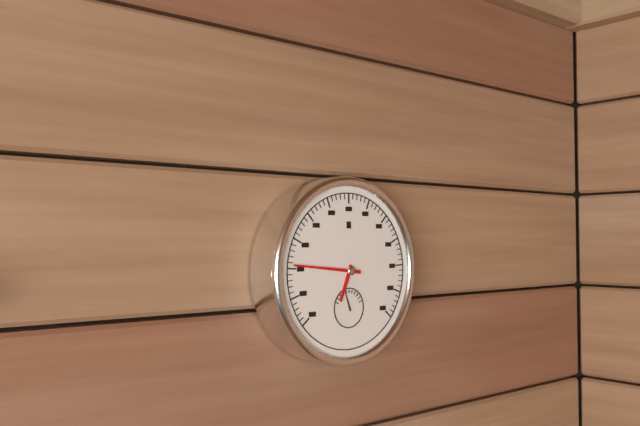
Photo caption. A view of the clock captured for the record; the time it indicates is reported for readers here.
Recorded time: 6:46
